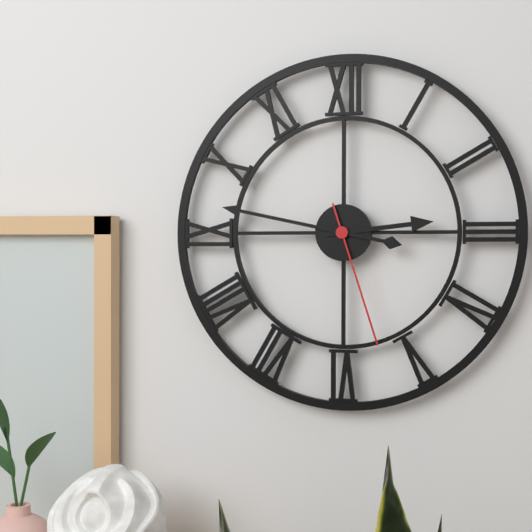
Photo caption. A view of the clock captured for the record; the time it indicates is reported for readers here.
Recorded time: 2:47:27
